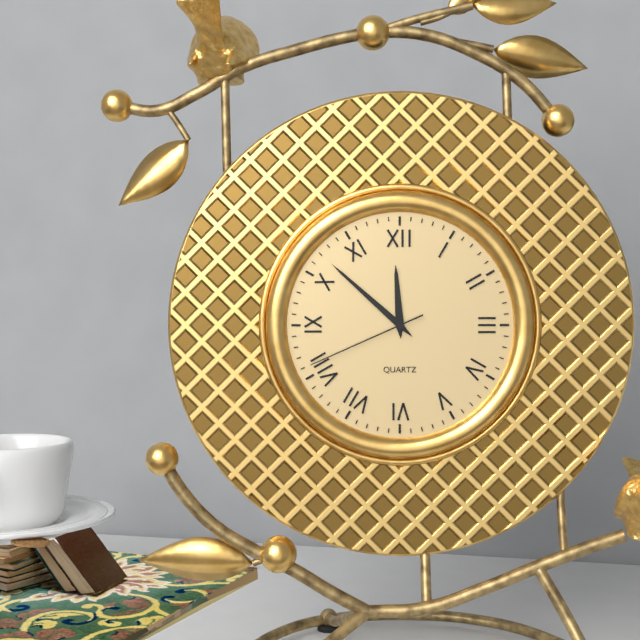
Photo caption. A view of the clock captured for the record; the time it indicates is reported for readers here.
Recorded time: 11:52:41
